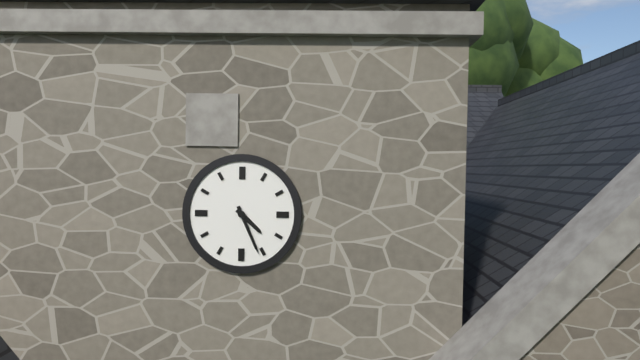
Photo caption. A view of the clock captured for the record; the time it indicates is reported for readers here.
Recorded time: 4:26
